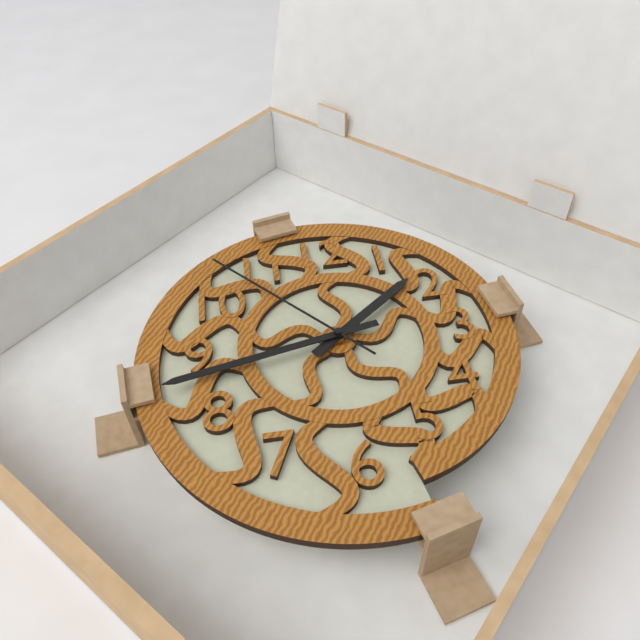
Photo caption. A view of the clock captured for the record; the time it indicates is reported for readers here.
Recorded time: 1:43:53
